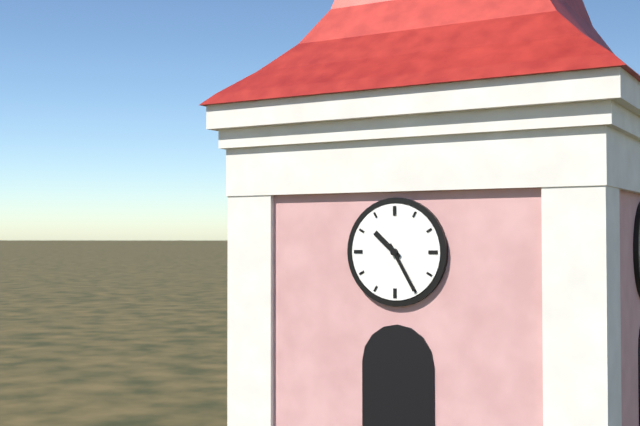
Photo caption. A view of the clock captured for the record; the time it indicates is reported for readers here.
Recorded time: 10:25
